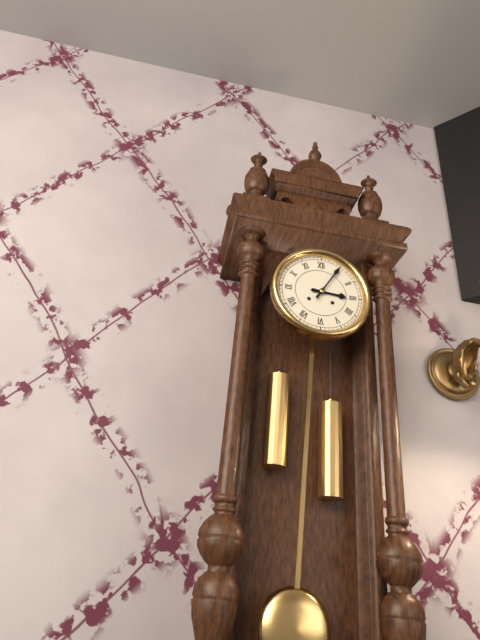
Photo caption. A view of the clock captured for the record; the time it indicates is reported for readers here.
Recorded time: 3:05
